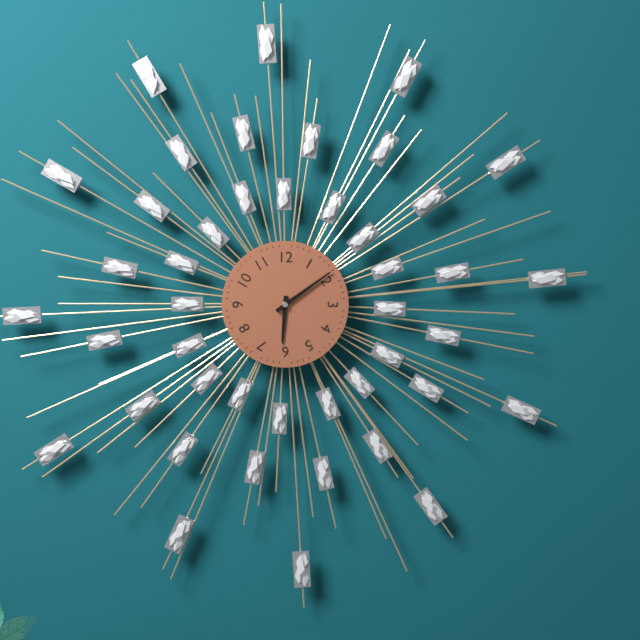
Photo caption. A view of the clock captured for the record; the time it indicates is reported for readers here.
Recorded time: 6:09
